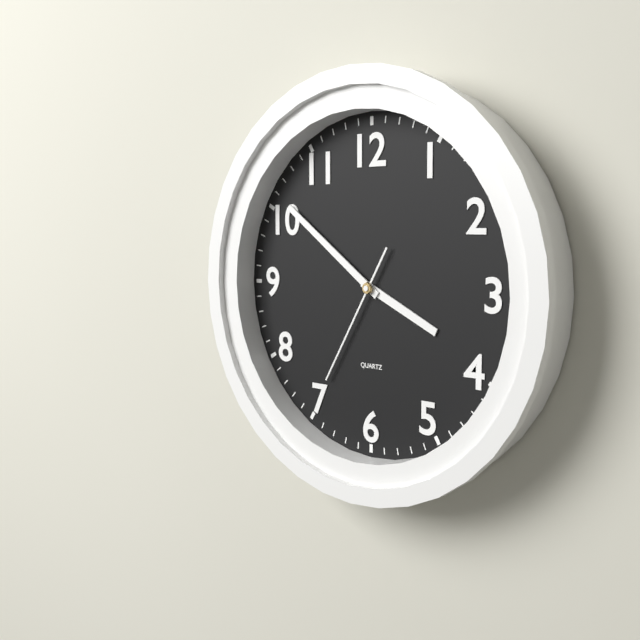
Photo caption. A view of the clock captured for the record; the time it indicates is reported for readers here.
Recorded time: 3:51:35
